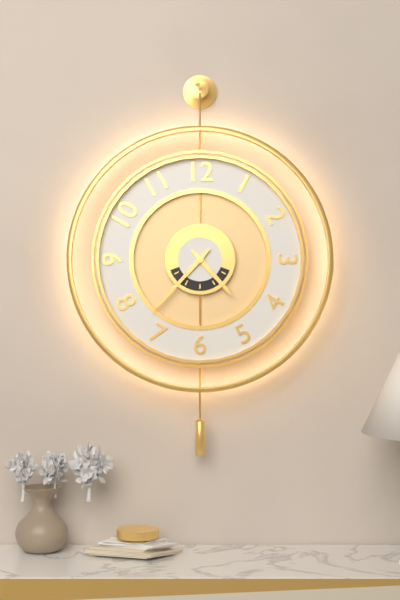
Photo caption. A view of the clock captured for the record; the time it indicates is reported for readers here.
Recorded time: 4:37
